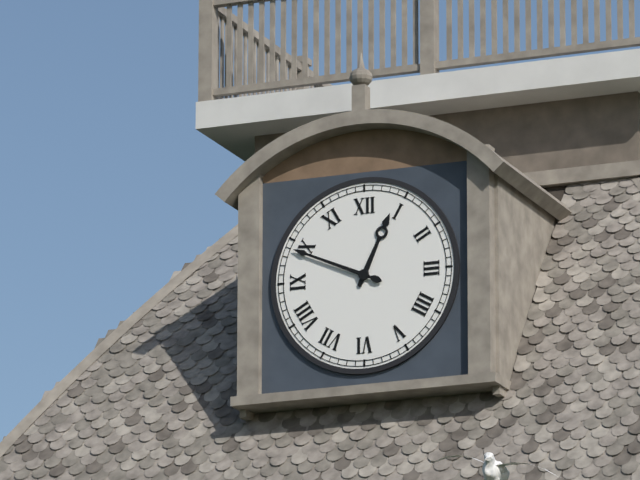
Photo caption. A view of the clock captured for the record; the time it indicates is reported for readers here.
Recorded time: 12:49
